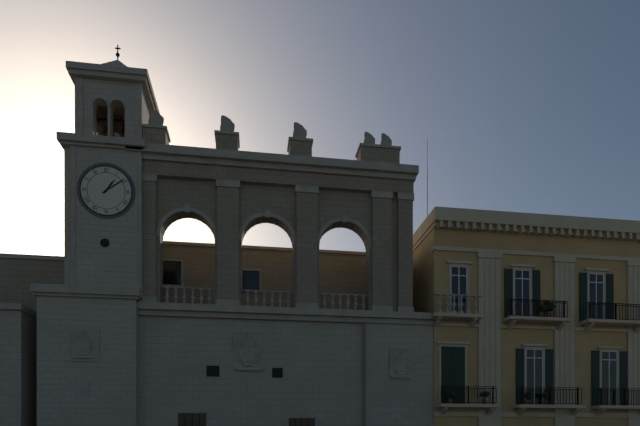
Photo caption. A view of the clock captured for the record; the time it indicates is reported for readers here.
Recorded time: 1:09
